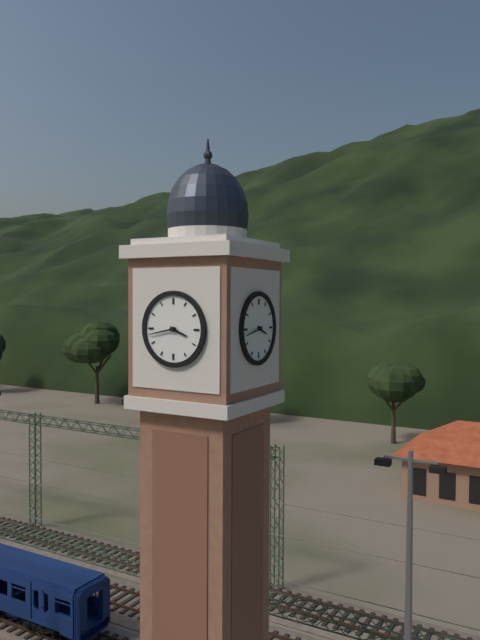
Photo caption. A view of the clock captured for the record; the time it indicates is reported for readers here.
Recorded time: 3:43
